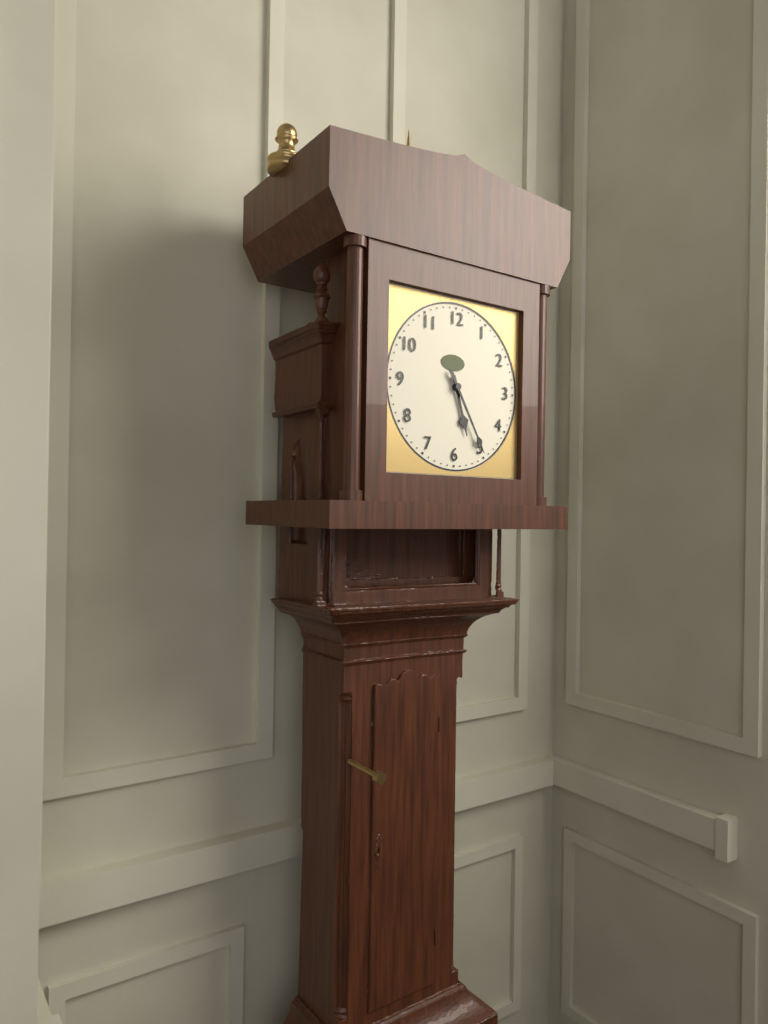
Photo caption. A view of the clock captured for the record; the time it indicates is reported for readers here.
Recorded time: 5:25
